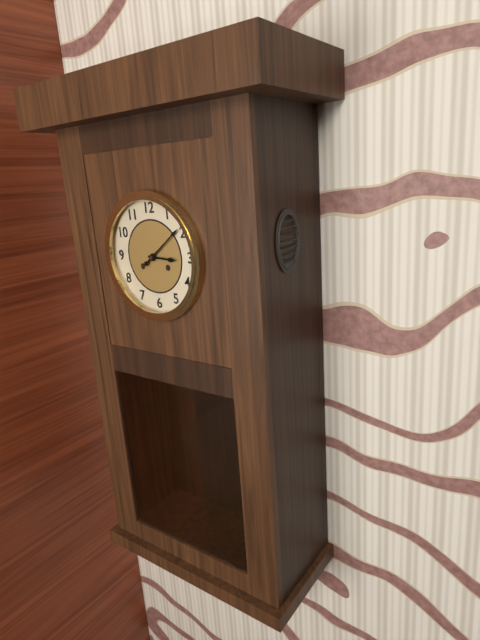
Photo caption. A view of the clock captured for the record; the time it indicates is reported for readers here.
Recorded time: 3:09
